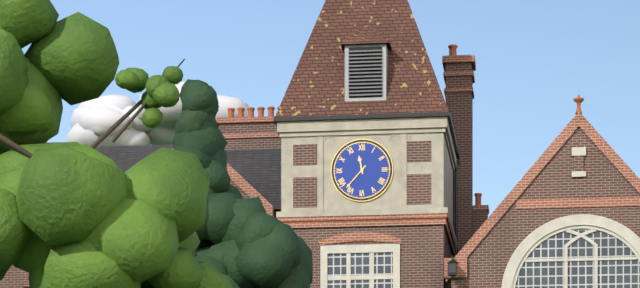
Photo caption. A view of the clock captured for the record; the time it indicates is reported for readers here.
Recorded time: 11:37
